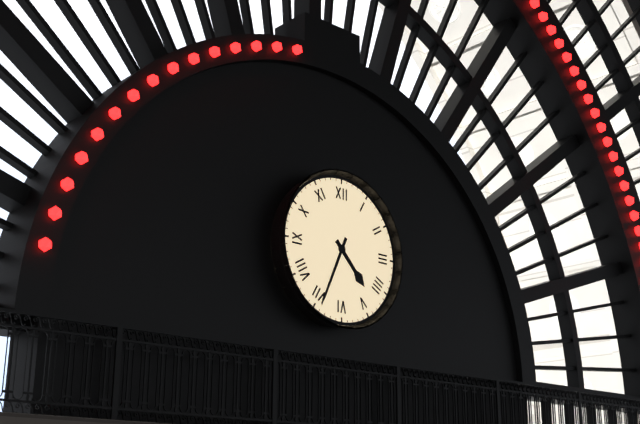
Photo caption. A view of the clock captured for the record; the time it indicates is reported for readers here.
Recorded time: 4:34
